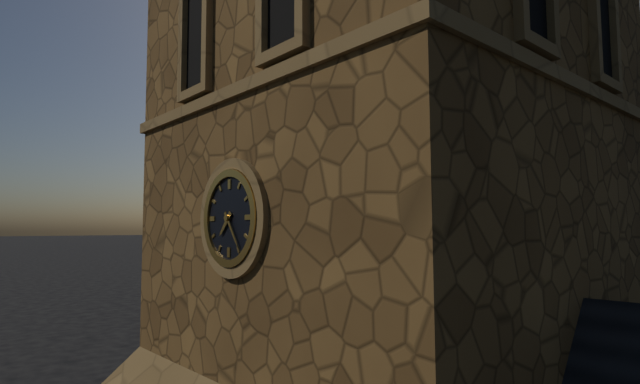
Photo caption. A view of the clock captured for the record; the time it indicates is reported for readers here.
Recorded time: 7:24
